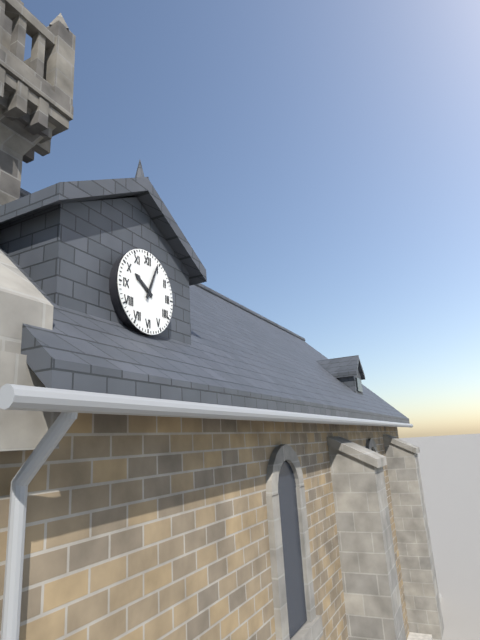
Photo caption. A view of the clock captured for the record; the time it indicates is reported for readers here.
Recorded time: 10:04
